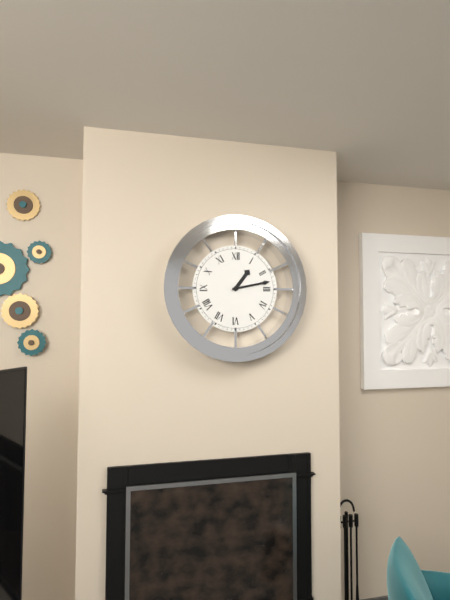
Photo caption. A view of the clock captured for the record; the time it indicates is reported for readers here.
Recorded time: 1:13
